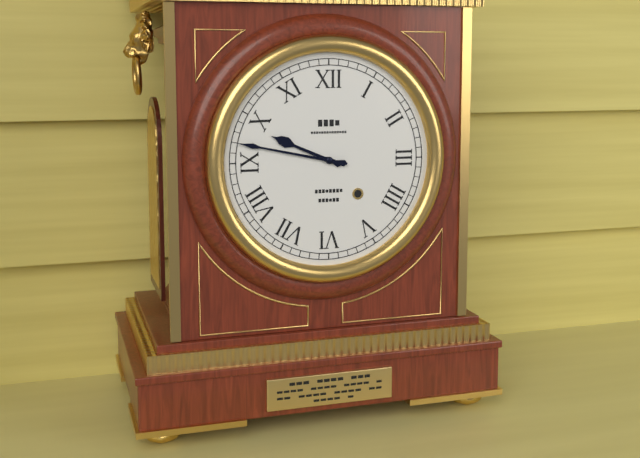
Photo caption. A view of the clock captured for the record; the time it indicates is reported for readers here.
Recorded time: 9:47
